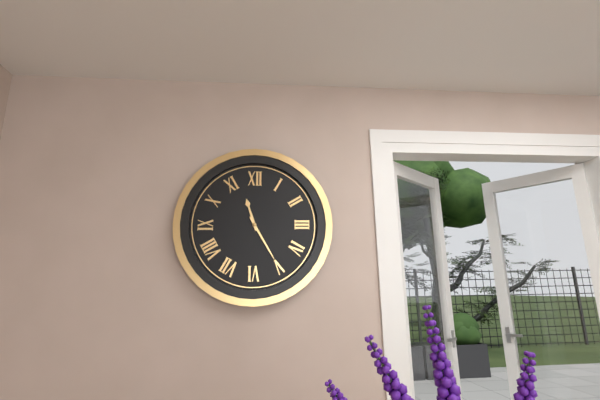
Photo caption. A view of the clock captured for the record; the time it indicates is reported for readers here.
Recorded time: 11:25
